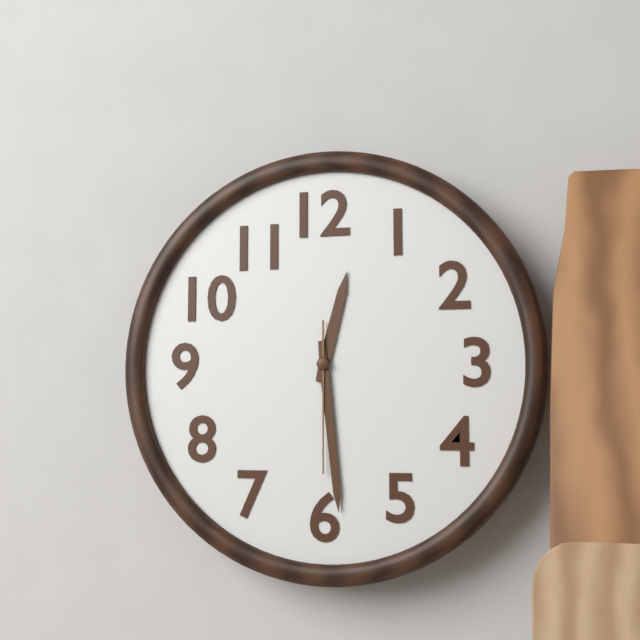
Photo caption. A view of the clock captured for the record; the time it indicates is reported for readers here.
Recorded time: 12:29:30
